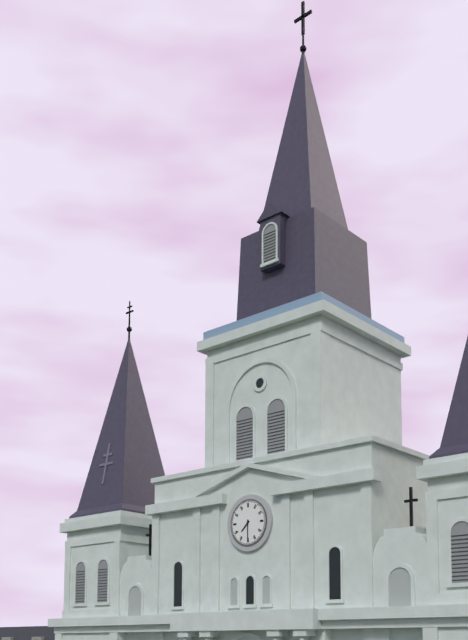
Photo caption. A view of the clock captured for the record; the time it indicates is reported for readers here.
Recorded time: 7:30
